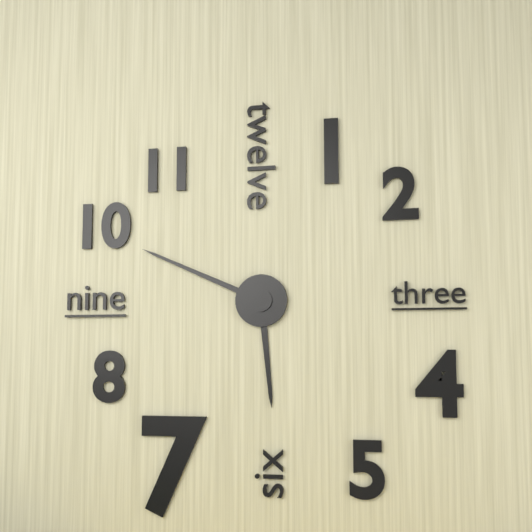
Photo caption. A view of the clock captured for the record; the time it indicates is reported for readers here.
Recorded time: 5:49
